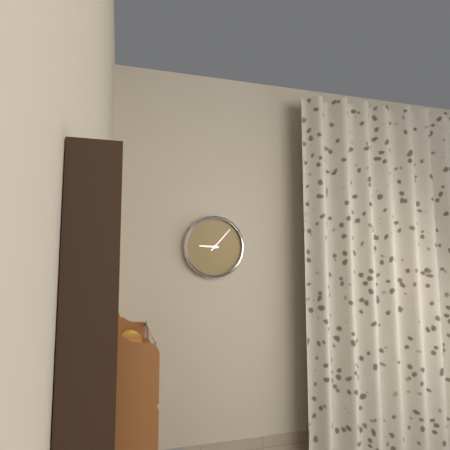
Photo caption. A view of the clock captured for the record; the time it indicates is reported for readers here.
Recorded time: 9:07
